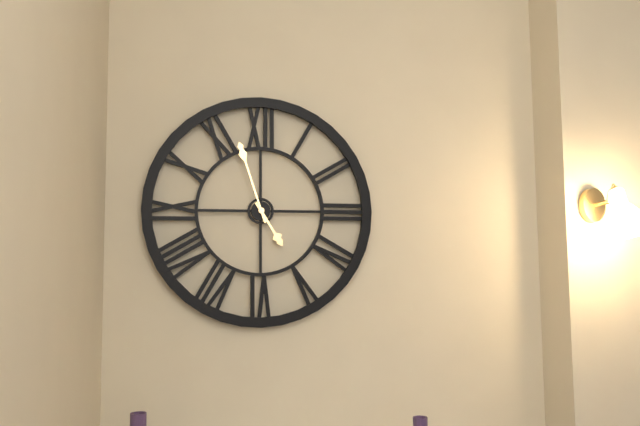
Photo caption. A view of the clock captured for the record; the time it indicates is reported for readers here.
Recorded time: 4:57
